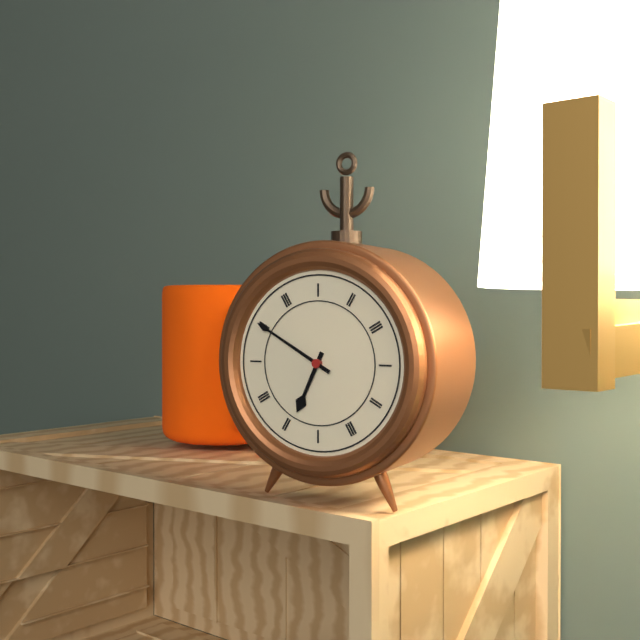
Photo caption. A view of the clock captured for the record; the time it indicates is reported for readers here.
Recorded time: 6:50
